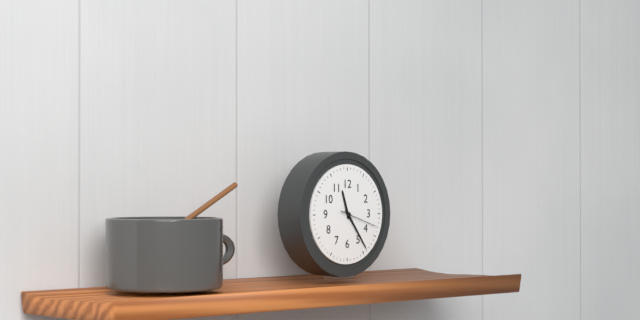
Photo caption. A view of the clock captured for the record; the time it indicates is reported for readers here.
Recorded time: 11:24
